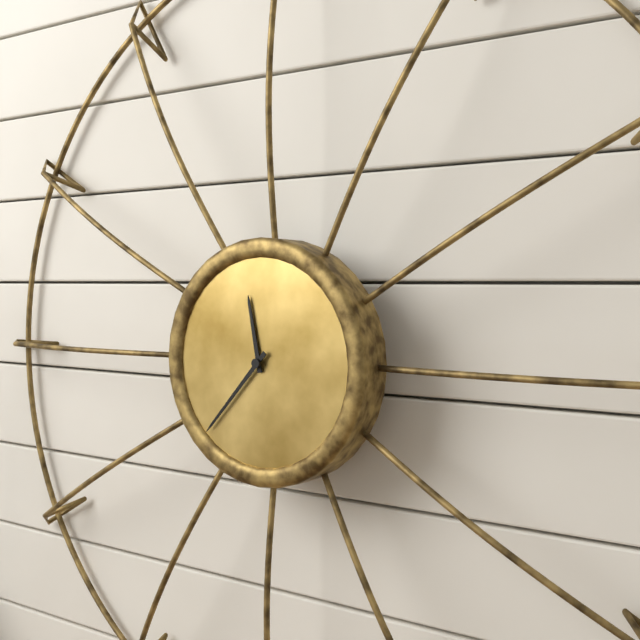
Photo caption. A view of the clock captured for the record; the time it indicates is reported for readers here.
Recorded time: 11:37
